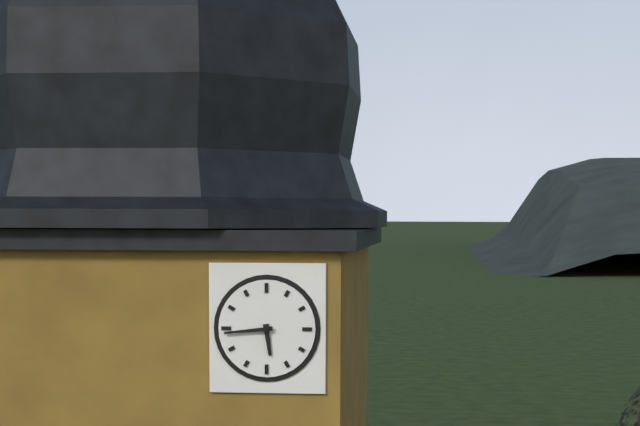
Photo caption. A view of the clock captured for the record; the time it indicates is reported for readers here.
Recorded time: 5:44
